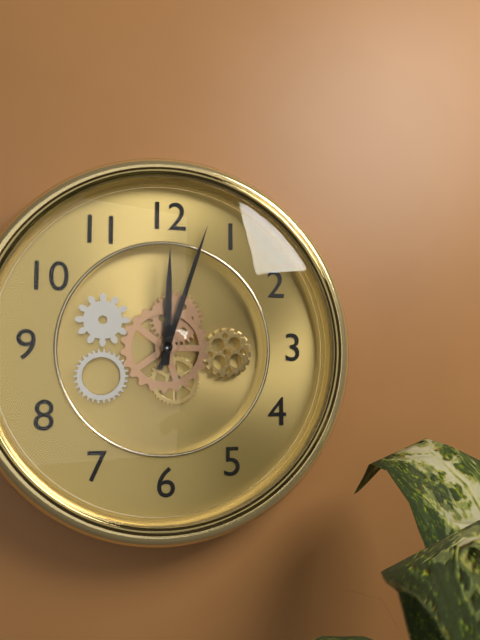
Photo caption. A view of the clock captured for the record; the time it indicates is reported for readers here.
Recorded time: 12:03
